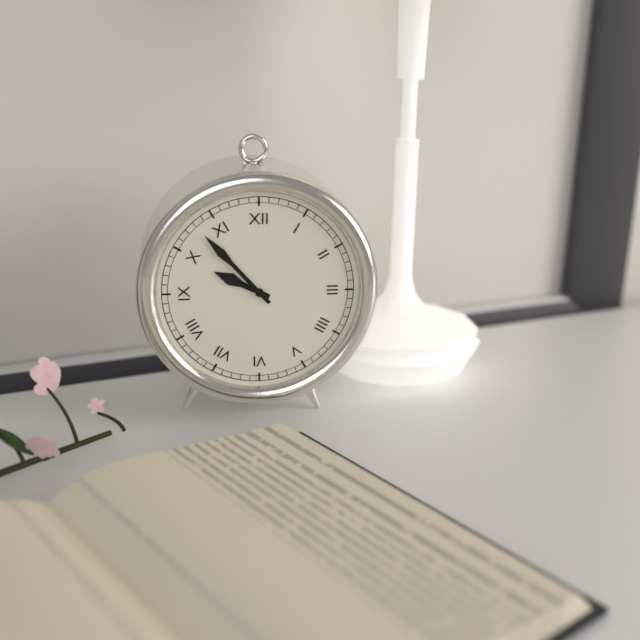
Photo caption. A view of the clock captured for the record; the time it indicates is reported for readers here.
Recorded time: 9:53
